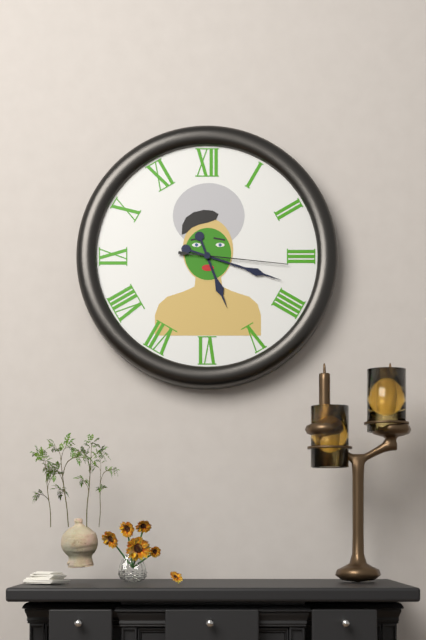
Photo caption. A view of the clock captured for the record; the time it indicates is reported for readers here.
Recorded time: 5:18:16
